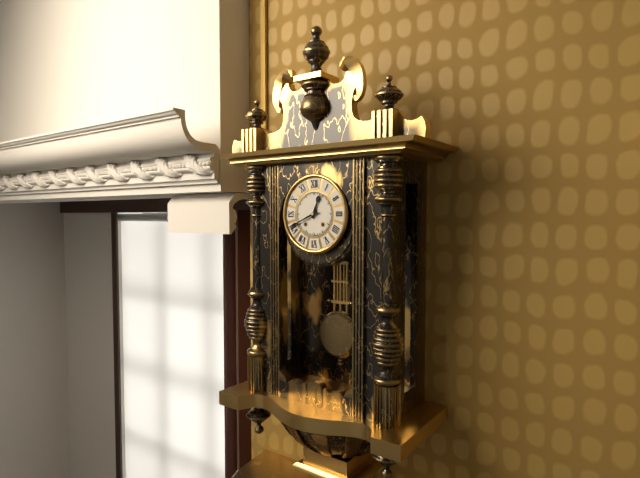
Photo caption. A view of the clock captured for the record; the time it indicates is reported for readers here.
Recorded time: 12:41
